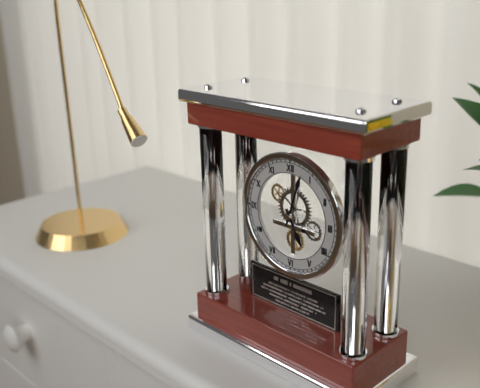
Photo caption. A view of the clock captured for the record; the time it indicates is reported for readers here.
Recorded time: 5:03
